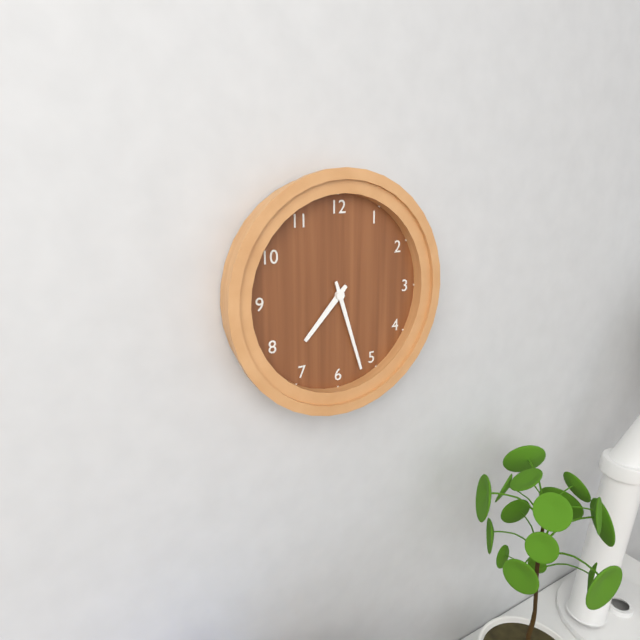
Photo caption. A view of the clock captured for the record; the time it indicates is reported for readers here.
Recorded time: 7:27
